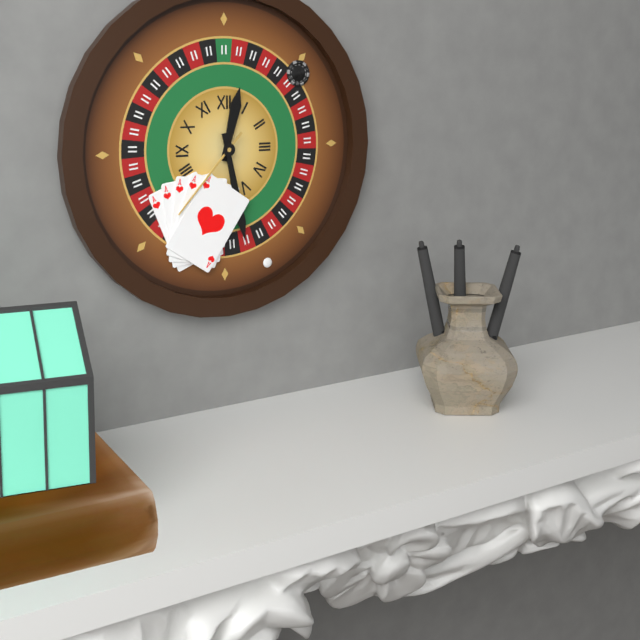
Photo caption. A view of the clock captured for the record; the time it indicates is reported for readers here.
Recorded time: 12:28:37
